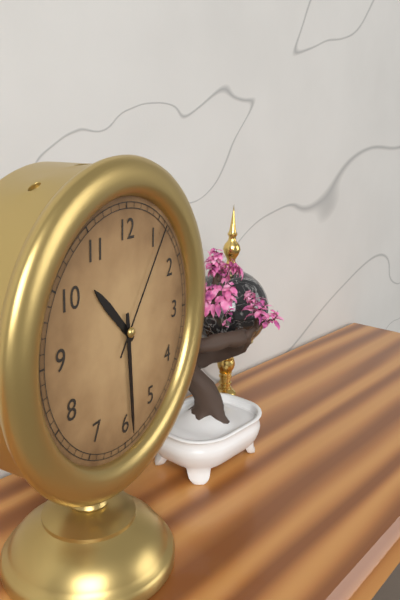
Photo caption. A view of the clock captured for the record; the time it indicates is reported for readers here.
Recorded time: 10:29:06
